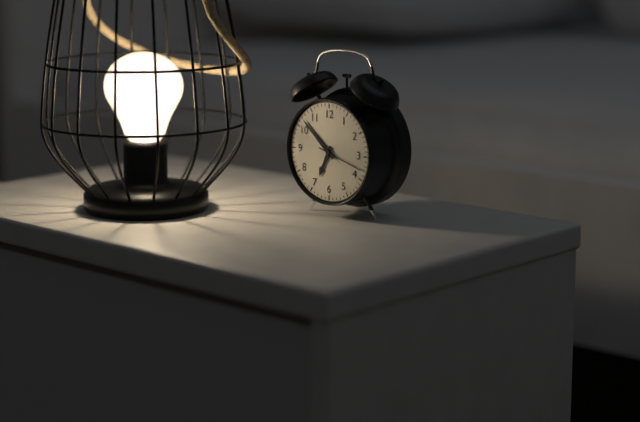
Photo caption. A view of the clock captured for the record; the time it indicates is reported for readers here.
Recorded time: 6:52
